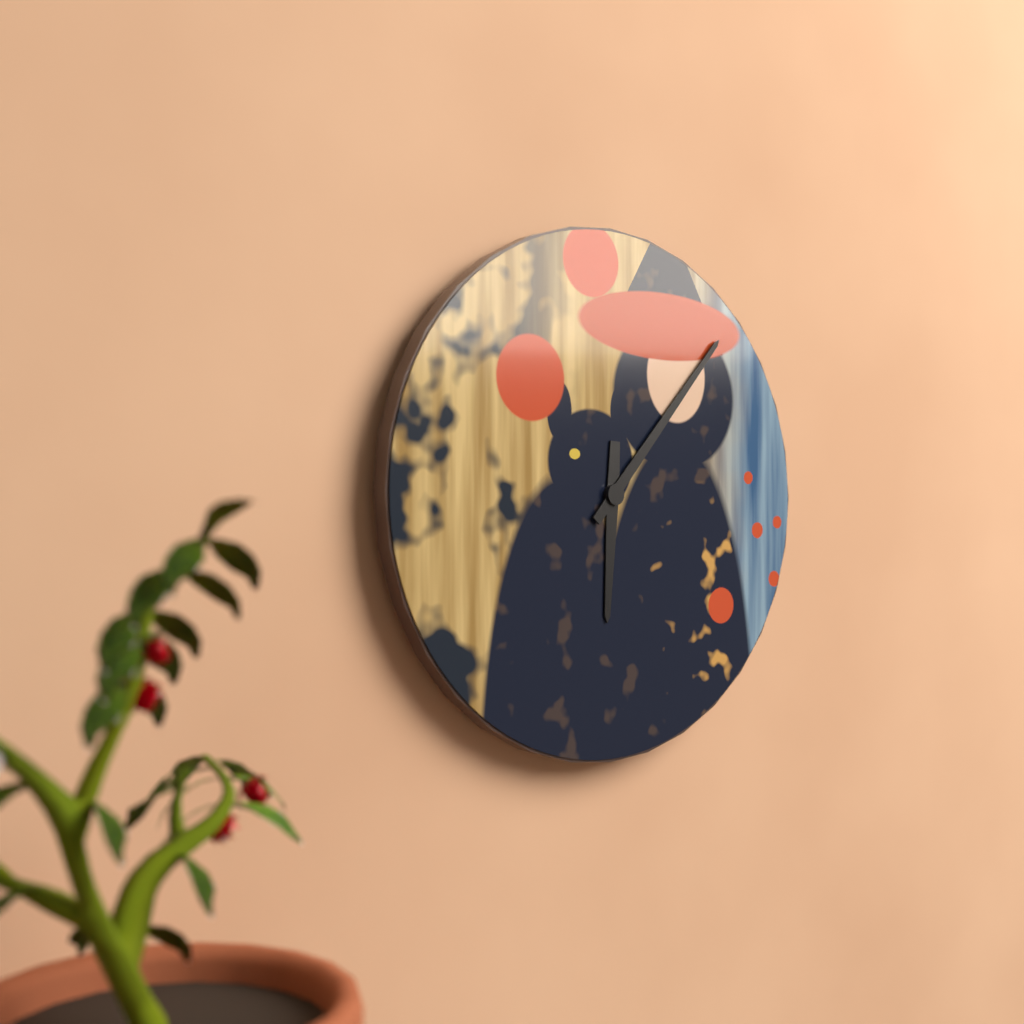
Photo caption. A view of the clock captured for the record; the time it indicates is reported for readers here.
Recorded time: 6:07
